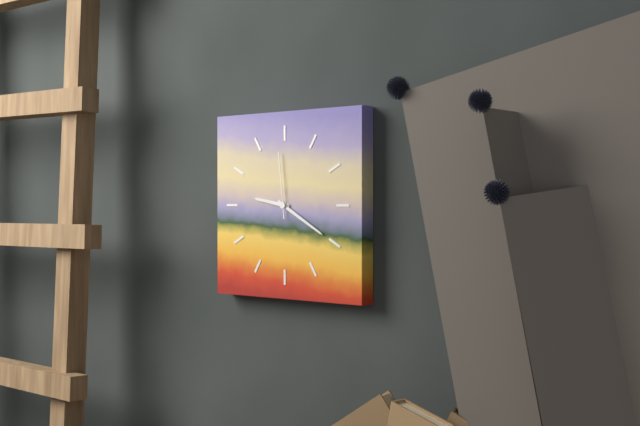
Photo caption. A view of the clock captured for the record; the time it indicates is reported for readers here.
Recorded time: 9:20:59
